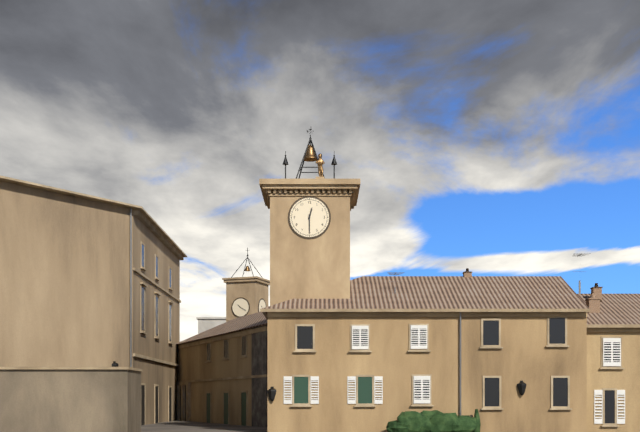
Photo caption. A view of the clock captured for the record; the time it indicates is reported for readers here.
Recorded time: 12:30
